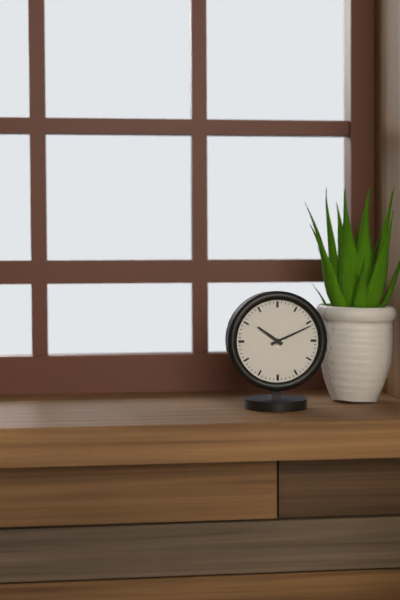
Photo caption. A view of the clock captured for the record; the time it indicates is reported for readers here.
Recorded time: 10:11
